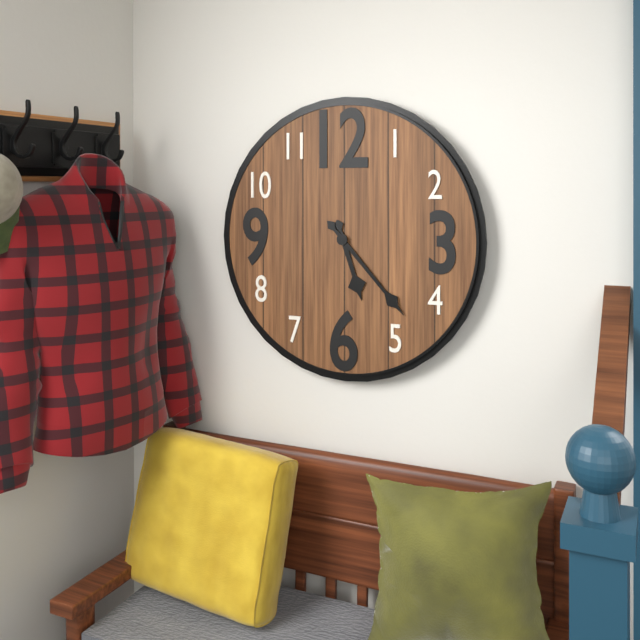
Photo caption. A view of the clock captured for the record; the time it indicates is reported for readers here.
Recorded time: 5:23
